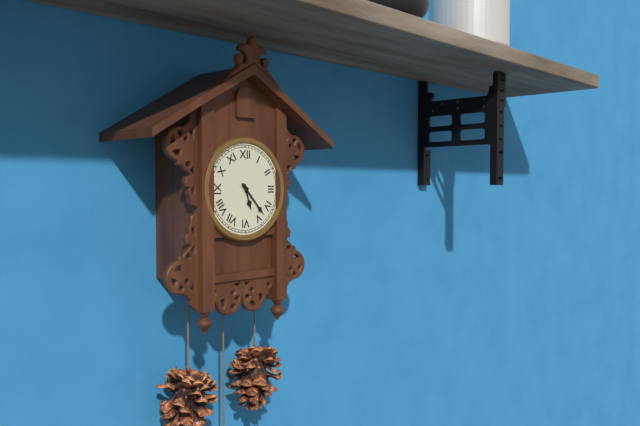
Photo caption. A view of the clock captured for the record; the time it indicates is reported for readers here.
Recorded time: 5:23
